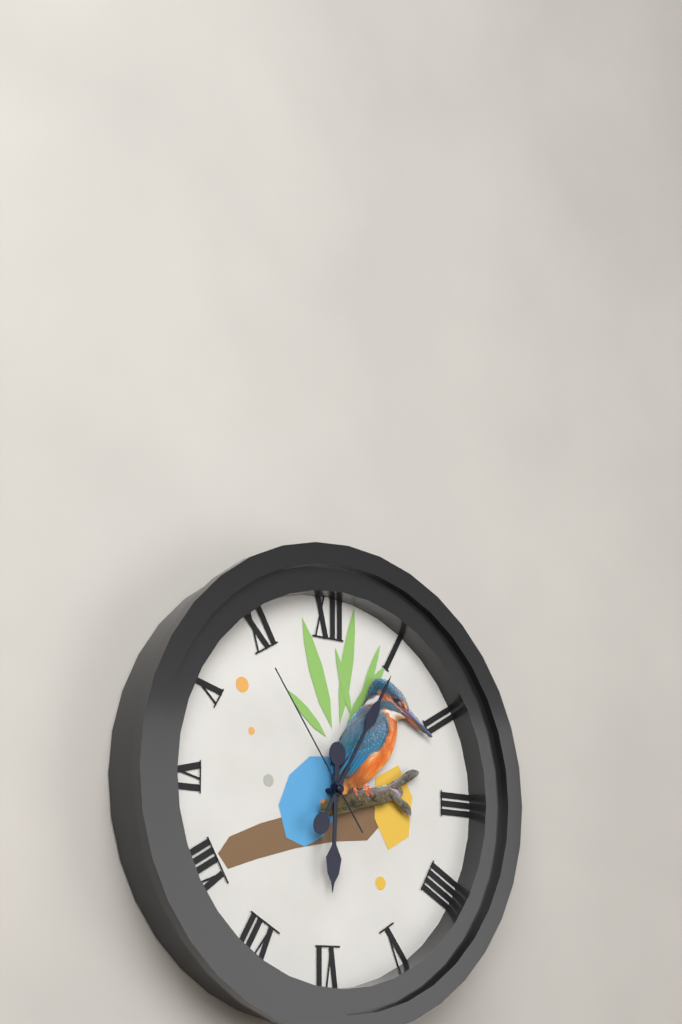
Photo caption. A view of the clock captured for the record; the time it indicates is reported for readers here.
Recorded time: 6:05:54
